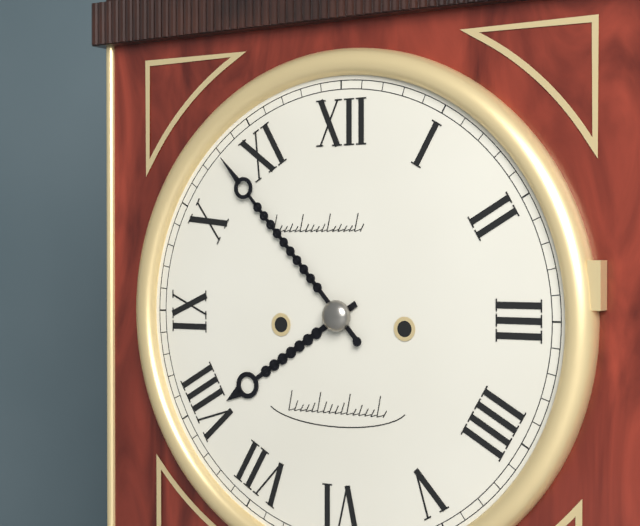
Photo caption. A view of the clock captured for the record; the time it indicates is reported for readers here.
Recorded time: 7:53
